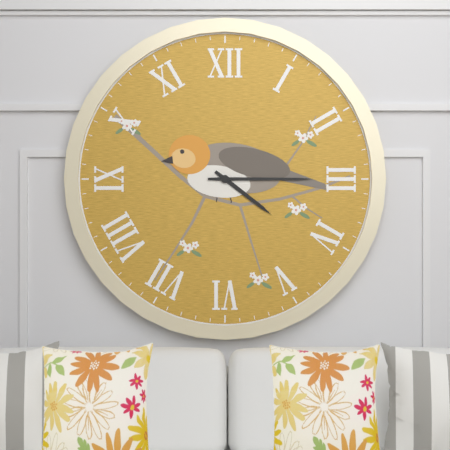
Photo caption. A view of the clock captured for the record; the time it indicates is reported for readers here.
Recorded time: 4:15
